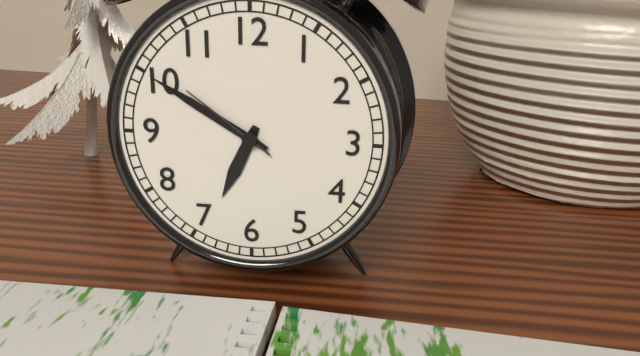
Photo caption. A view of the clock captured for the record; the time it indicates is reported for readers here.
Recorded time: 6:50:51
